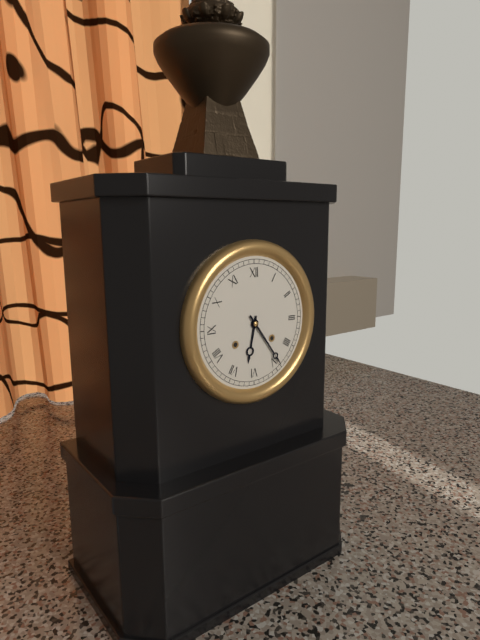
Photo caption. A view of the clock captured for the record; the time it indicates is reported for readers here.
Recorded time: 6:24
